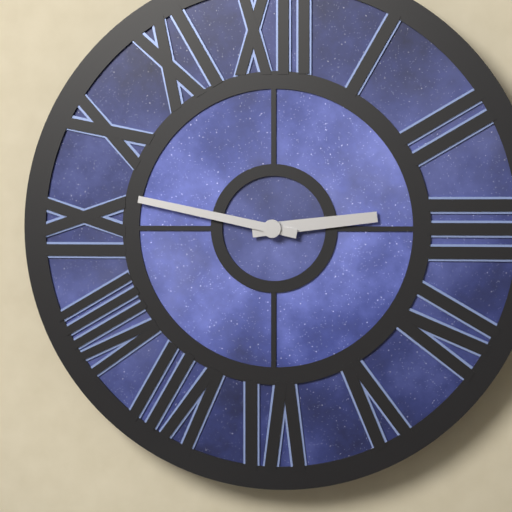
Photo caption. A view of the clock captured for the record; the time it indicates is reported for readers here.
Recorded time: 2:47
